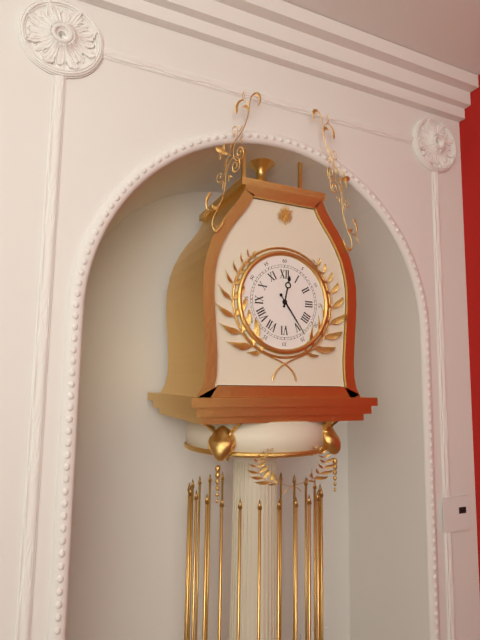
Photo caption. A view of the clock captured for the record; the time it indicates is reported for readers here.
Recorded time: 12:24
